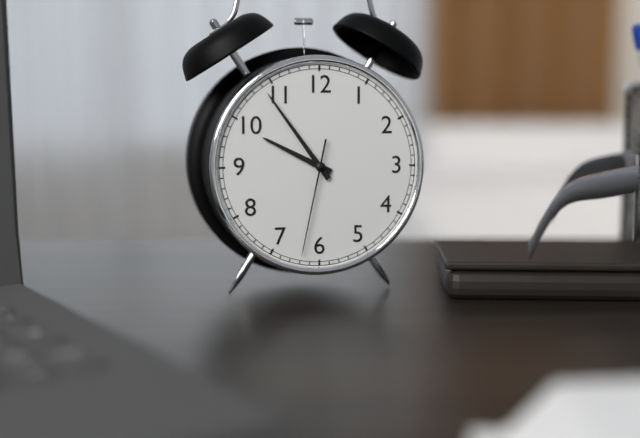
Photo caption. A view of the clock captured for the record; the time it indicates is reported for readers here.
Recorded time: 9:54:32
